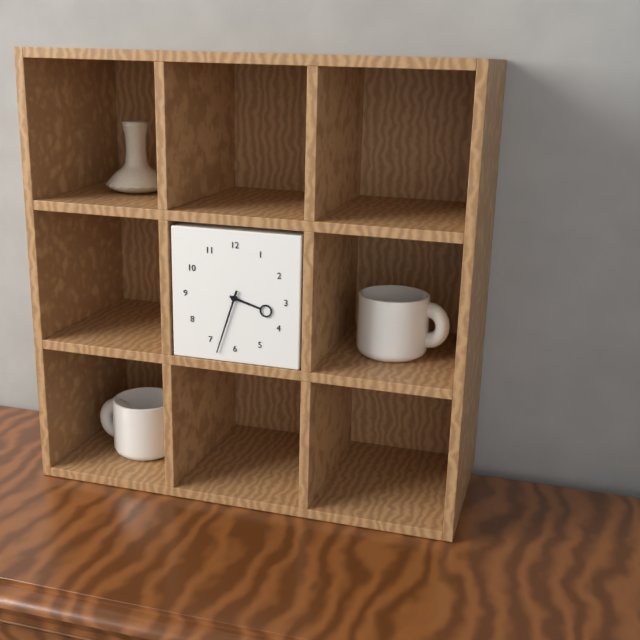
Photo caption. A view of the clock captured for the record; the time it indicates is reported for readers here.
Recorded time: 3:33
